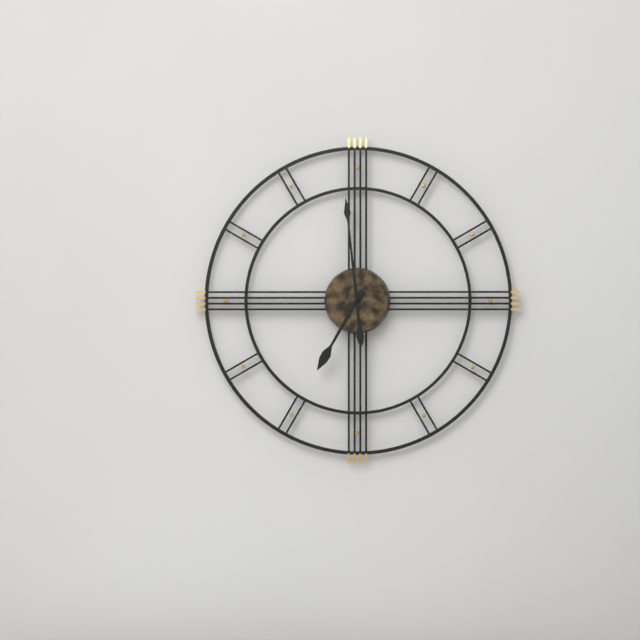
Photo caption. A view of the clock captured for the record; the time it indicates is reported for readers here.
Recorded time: 6:59
